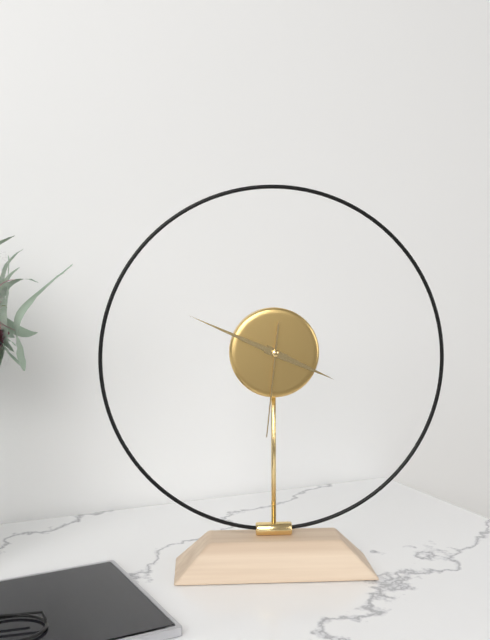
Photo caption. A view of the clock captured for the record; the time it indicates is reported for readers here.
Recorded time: 3:49:31
